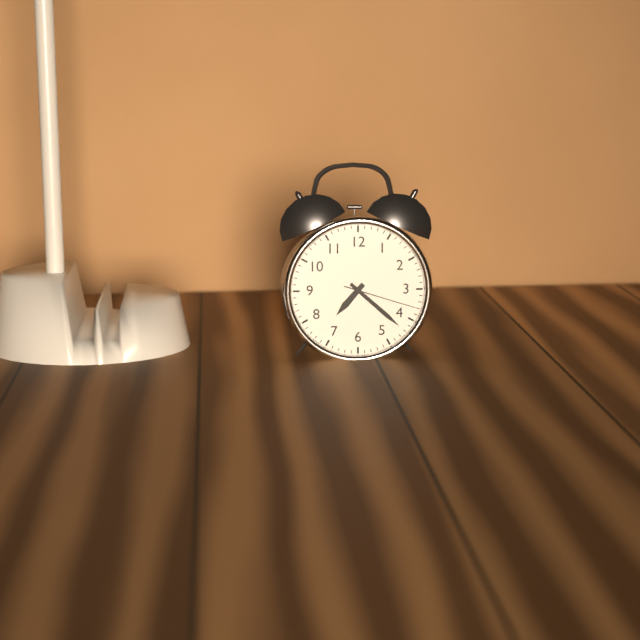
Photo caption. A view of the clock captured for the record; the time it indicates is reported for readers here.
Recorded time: 7:22:18
